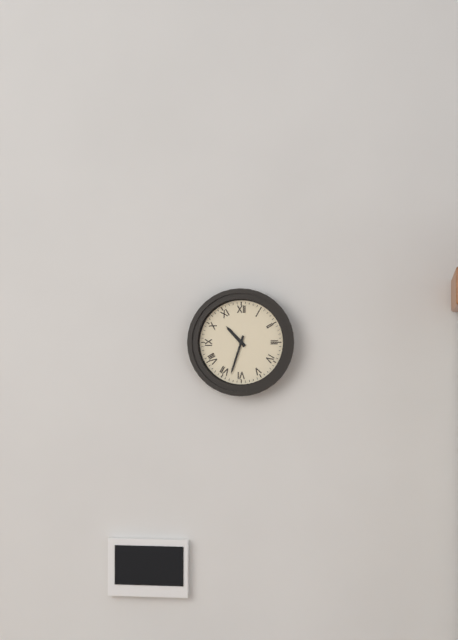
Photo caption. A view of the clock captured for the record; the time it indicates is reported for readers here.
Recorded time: 10:33
